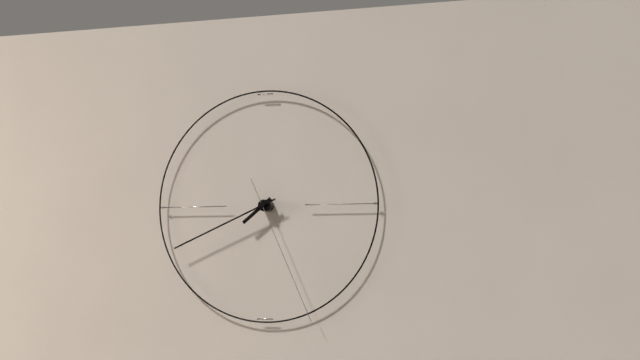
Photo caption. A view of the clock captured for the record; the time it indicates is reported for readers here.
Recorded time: 7:41:26
